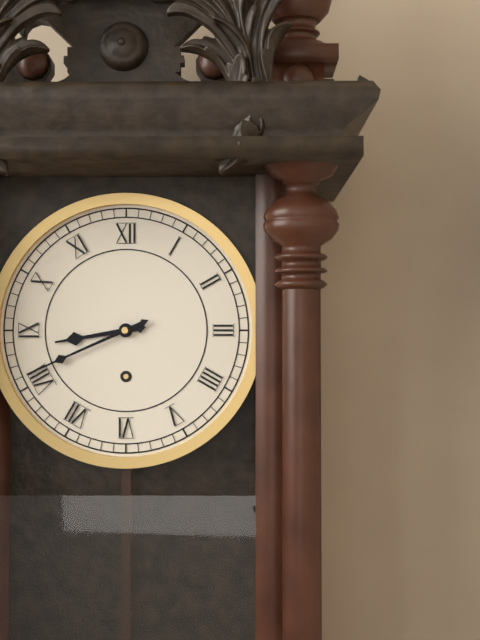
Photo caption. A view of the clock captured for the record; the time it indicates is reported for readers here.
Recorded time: 8:41
